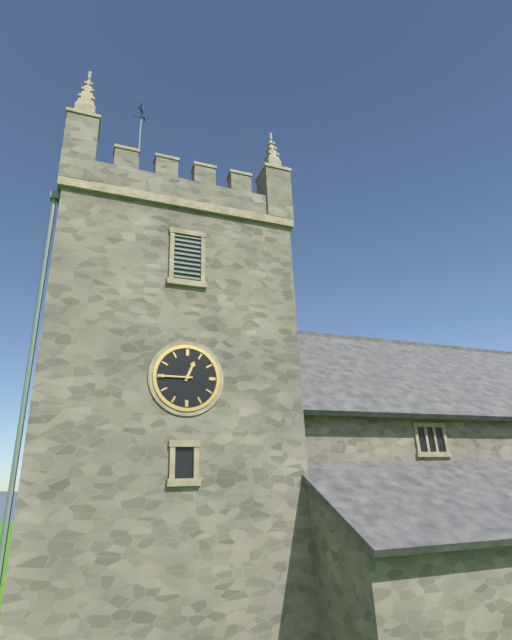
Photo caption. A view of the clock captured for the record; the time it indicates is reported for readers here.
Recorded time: 12:45
